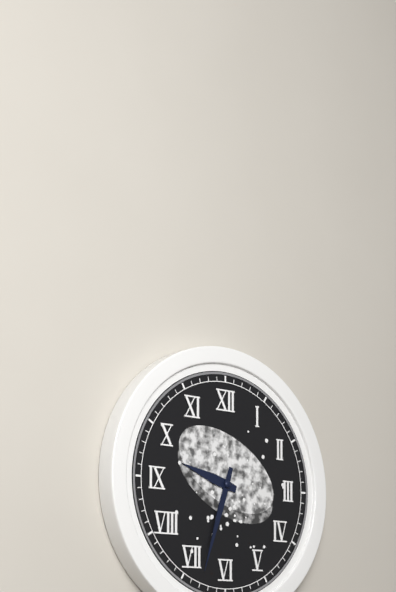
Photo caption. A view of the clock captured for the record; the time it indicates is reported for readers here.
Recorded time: 9:33
